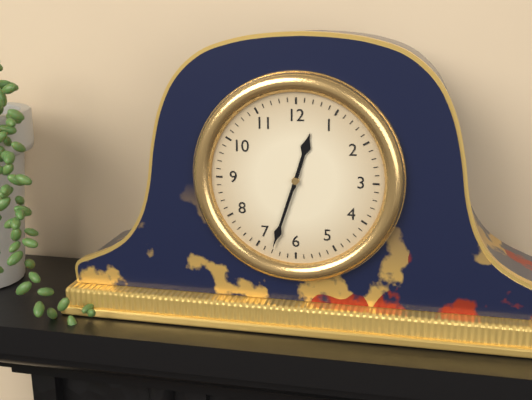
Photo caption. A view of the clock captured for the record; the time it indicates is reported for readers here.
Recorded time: 12:33
